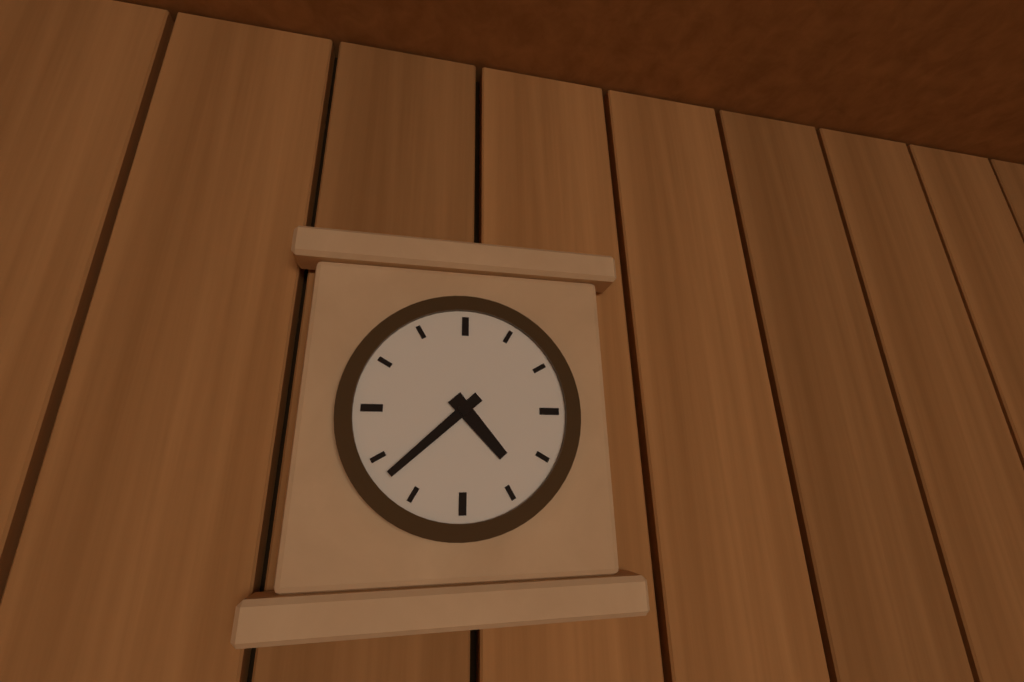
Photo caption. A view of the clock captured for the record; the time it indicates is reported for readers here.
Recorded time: 4:38
